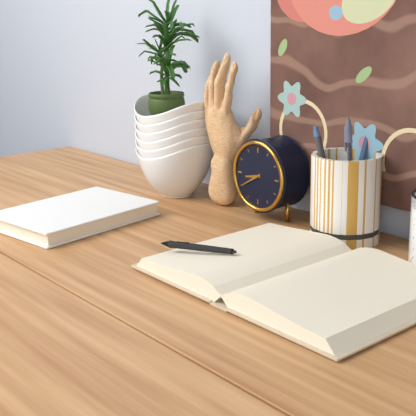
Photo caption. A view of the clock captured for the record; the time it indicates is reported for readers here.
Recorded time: 8:40
